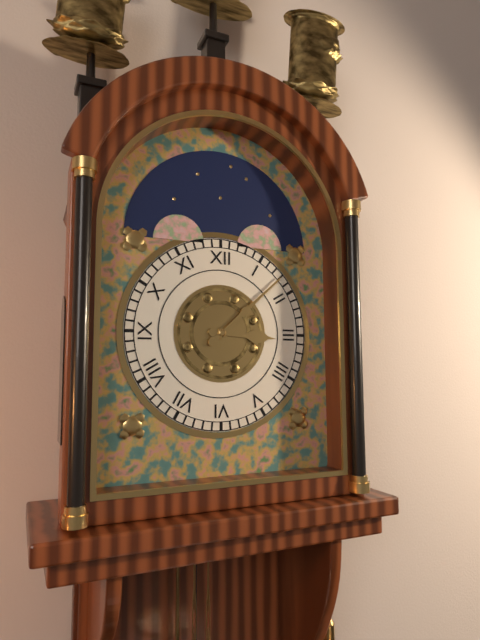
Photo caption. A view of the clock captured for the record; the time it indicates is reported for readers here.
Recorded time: 3:08
